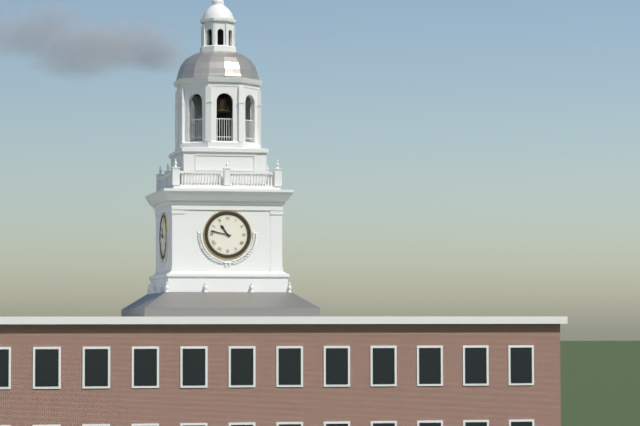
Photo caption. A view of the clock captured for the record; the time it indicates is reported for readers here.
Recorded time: 10:47
